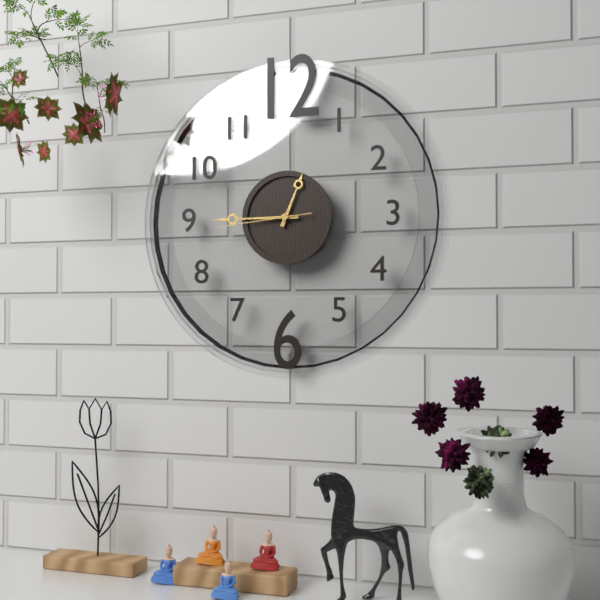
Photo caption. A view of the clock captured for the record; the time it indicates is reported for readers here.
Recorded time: 12:45:44
